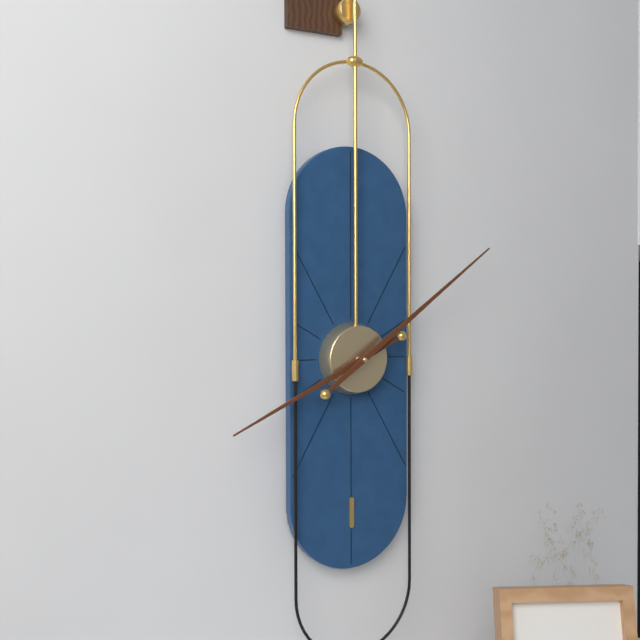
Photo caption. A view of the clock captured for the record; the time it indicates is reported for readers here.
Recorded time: 8:09
